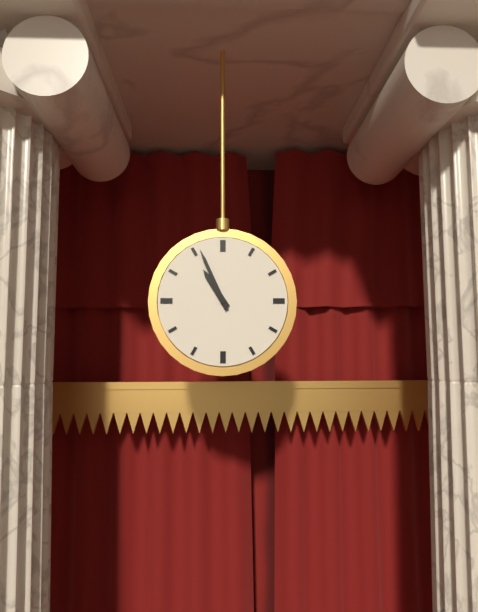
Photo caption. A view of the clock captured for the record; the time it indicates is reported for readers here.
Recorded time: 10:56
